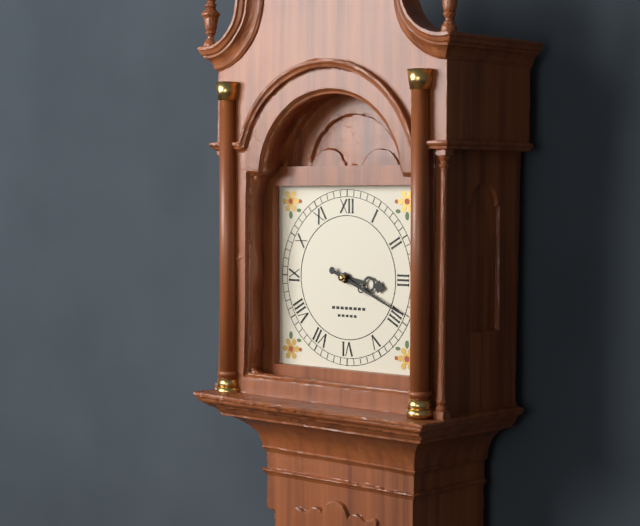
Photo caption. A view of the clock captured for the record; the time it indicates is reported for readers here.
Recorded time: 3:19
